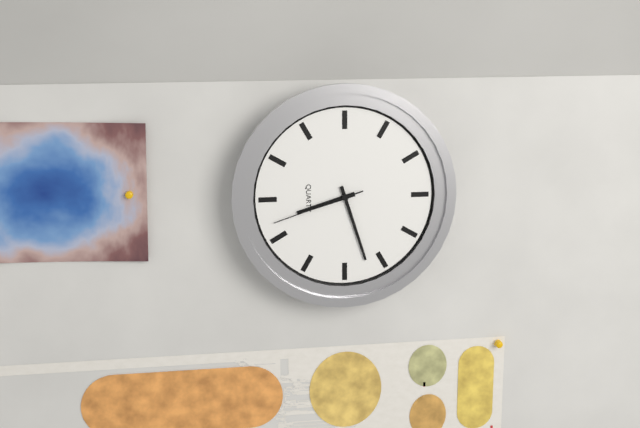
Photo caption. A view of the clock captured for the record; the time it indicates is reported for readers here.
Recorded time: 8:27:42
